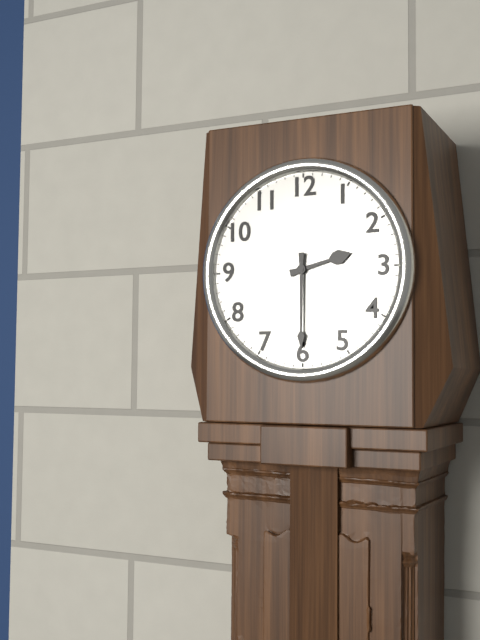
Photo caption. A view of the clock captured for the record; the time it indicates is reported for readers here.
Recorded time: 2:30
